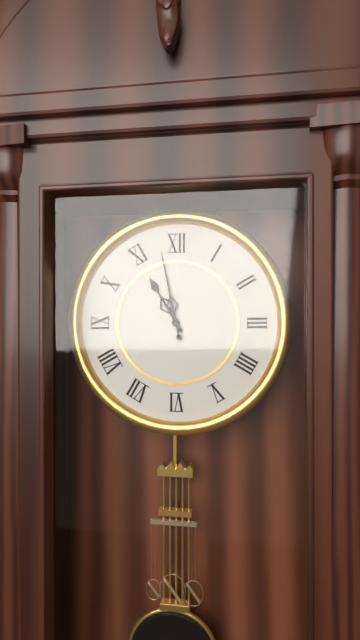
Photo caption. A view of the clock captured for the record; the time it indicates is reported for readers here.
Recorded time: 10:58
